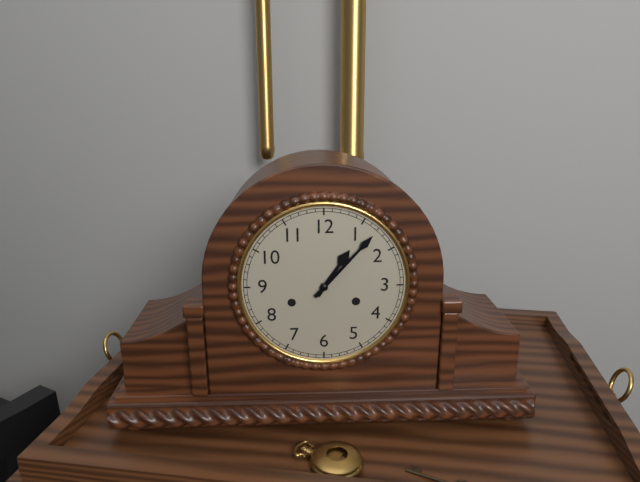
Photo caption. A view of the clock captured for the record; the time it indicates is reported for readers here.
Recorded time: 1:07
